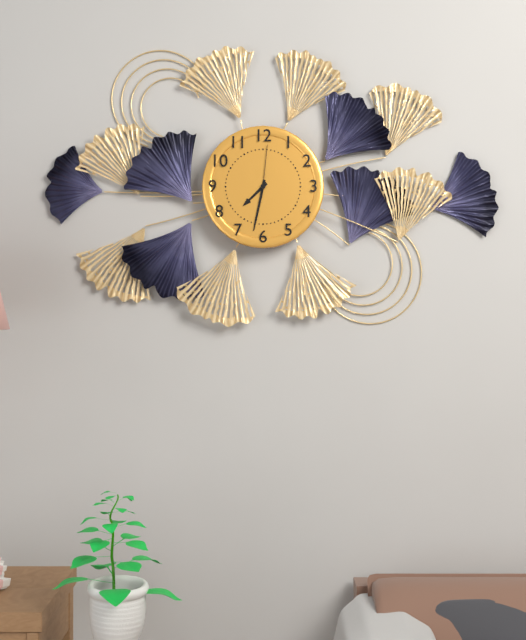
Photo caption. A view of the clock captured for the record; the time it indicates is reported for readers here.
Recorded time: 7:32:01
